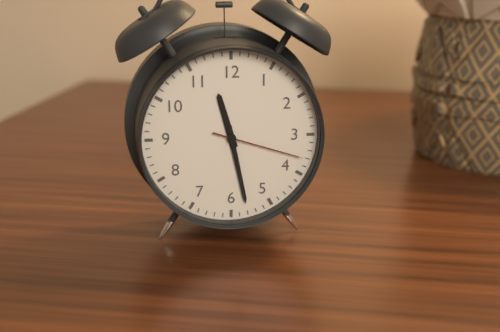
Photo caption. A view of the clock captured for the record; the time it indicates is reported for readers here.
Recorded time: 11:28:18
